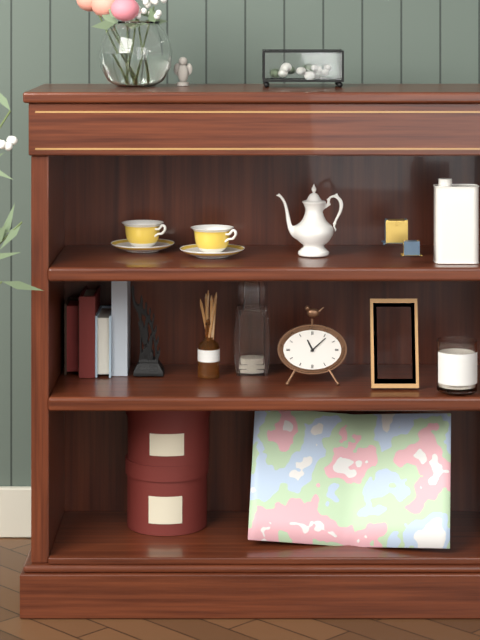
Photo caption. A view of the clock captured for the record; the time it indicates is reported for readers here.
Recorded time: 11:08
